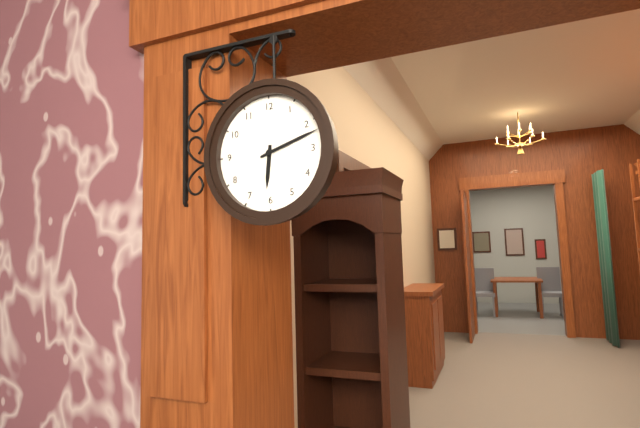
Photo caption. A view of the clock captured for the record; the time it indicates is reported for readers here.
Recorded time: 6:12
